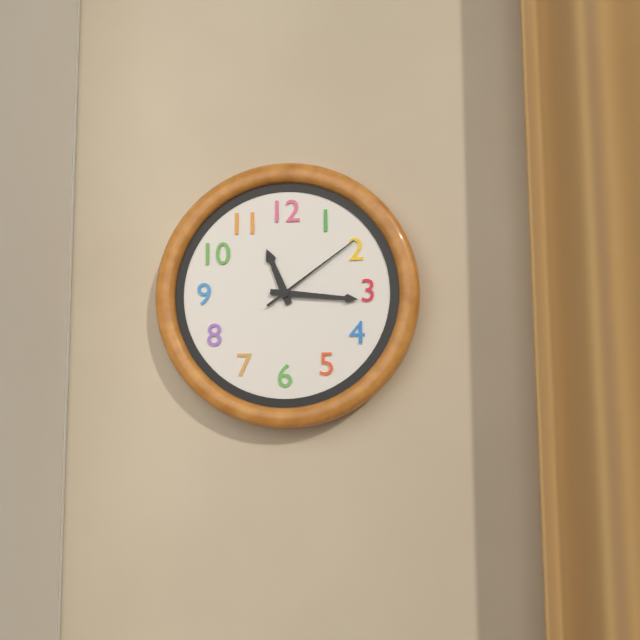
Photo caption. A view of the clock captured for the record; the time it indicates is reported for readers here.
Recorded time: 11:16:09
